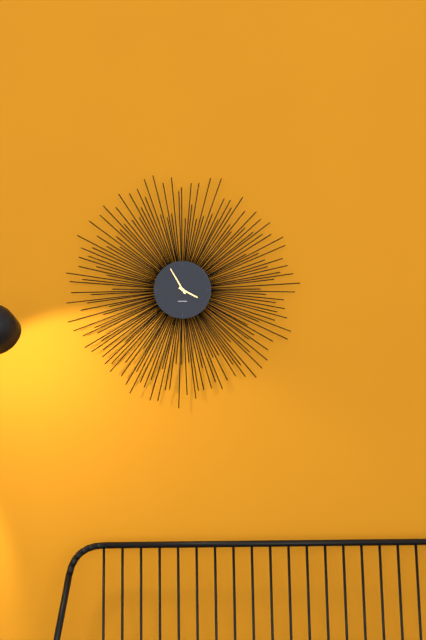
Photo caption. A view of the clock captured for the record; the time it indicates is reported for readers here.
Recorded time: 3:55
